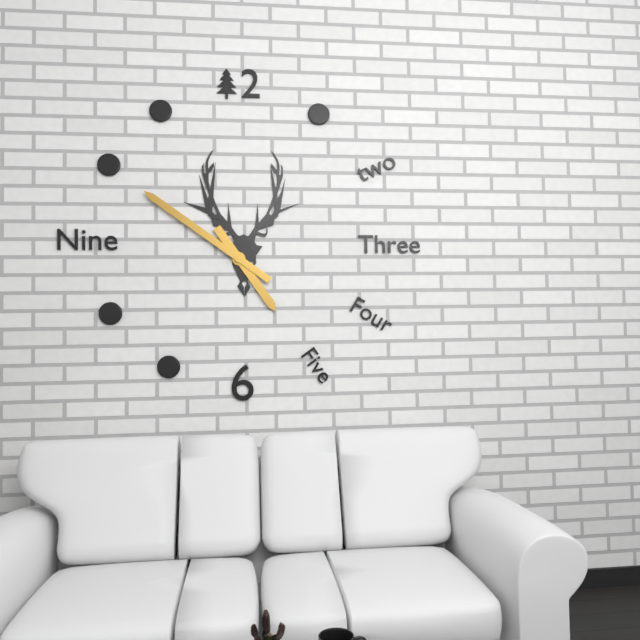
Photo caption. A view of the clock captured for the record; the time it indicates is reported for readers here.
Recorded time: 4:51
